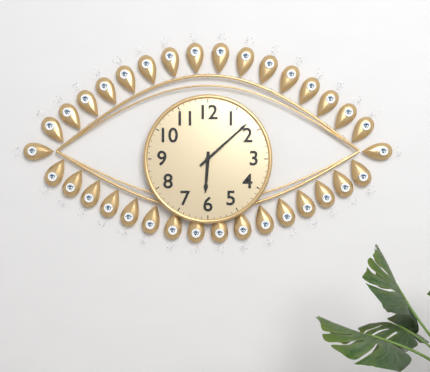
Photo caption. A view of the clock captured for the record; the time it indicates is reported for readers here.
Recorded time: 6:08
